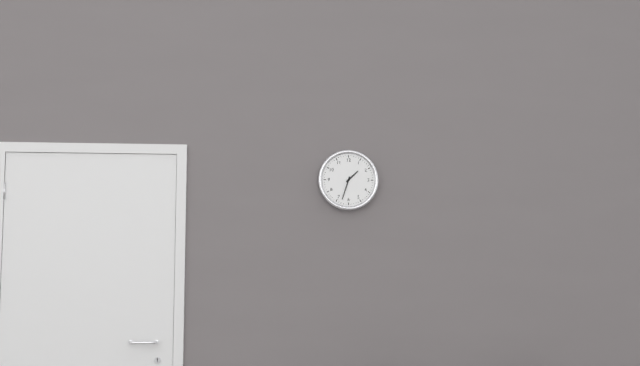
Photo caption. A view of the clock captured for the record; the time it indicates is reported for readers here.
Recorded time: 1:33
